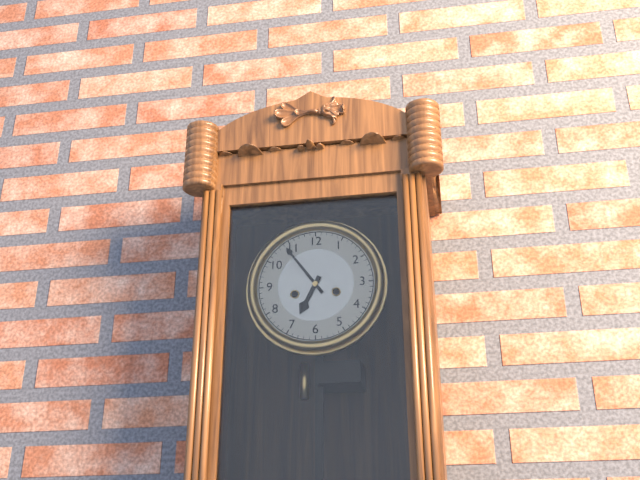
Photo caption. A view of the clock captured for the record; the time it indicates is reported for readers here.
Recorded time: 6:54
